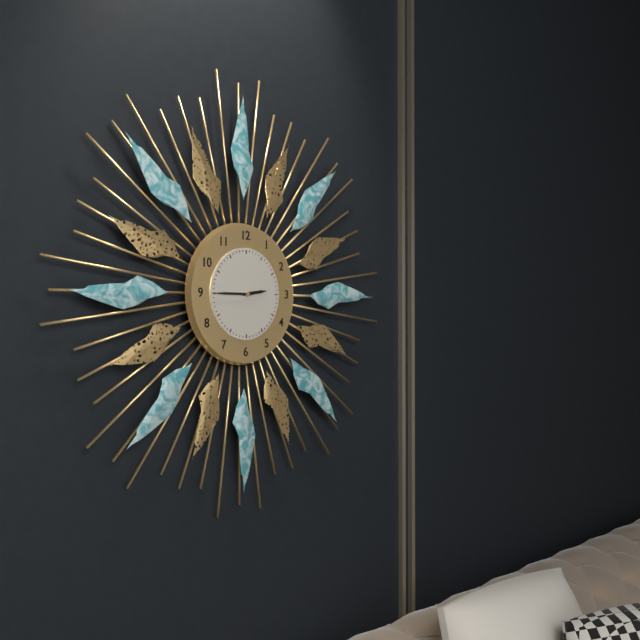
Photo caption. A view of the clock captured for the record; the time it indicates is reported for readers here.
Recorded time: 2:45
